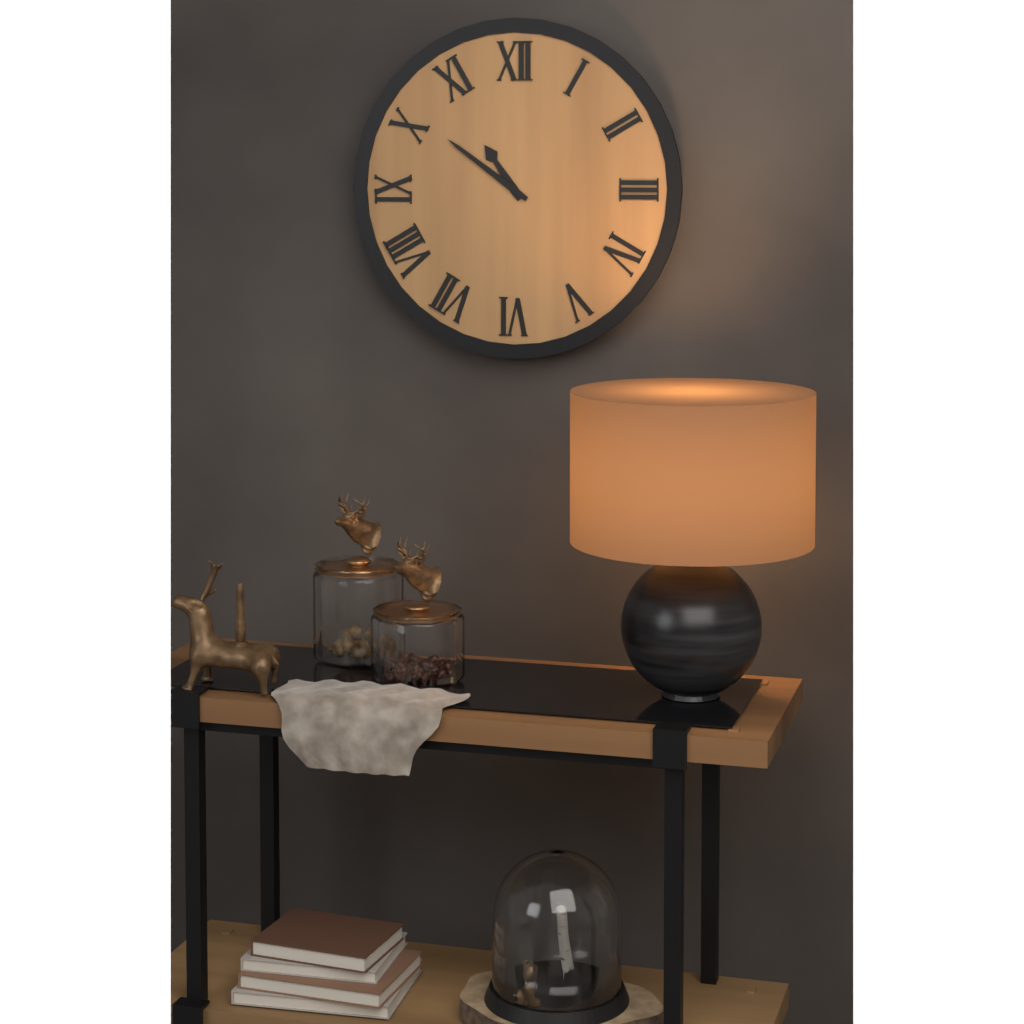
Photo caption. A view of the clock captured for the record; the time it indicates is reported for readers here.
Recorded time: 10:51
